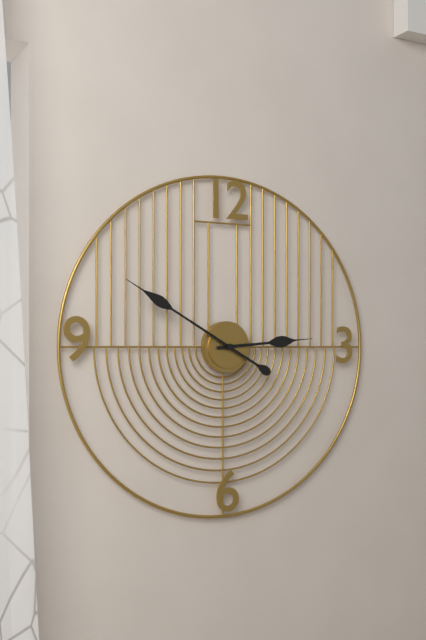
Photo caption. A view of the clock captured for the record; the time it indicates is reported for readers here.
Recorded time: 2:50
